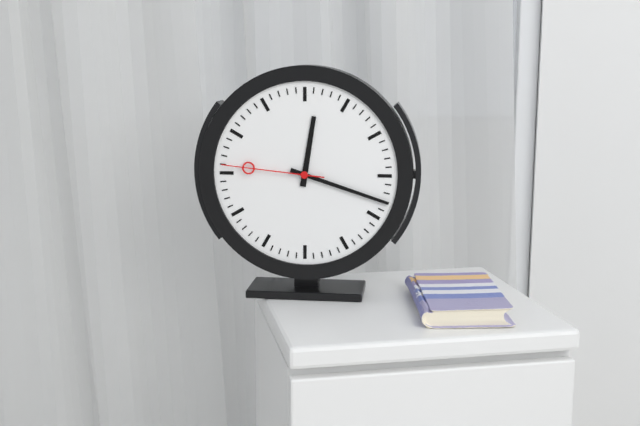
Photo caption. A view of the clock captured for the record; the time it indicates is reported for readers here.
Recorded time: 12:18:46
